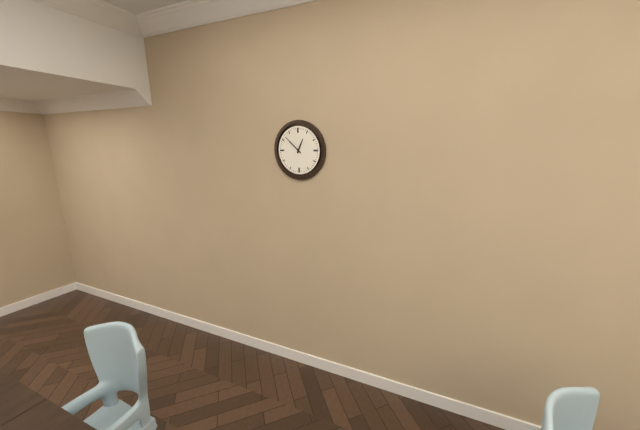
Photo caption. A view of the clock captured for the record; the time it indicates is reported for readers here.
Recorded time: 12:52
